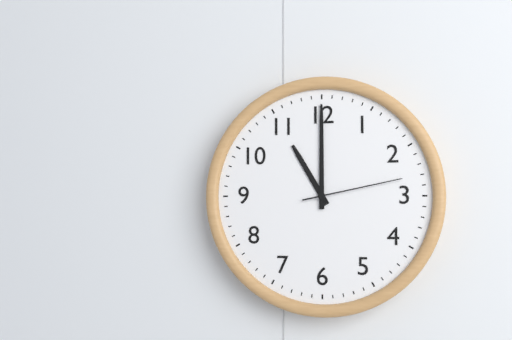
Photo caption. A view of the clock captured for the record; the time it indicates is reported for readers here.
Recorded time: 11:00:13
